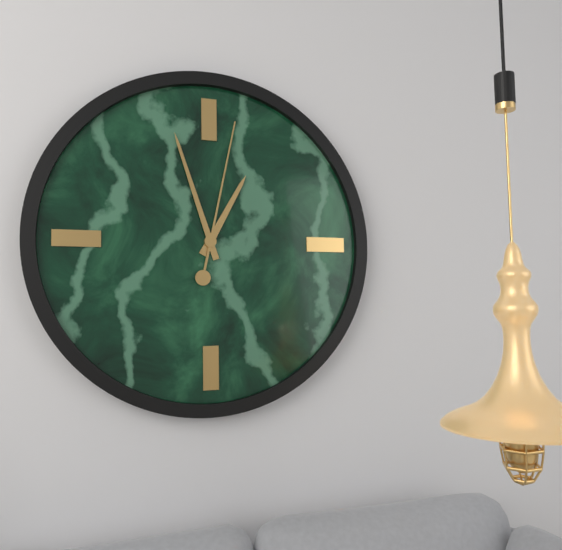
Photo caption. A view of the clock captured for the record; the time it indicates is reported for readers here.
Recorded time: 12:57:02
